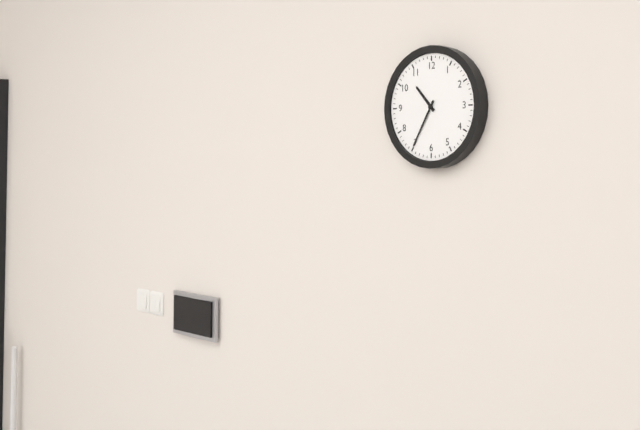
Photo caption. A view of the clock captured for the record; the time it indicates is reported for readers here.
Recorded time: 10:35
